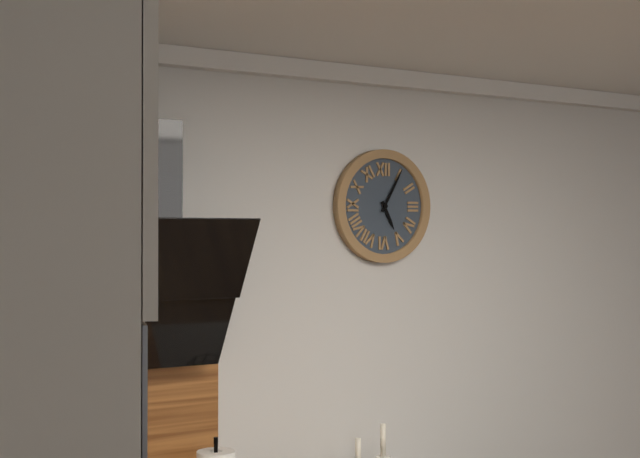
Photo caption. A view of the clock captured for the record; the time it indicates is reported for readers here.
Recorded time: 5:05
